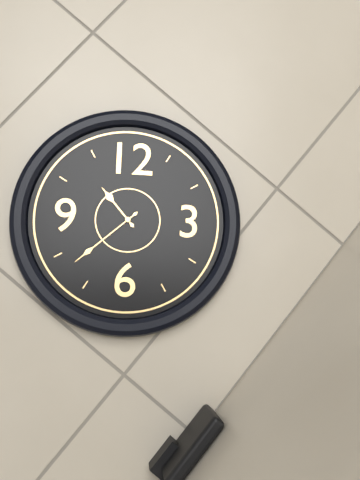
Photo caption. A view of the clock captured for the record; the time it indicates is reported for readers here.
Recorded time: 10:38
